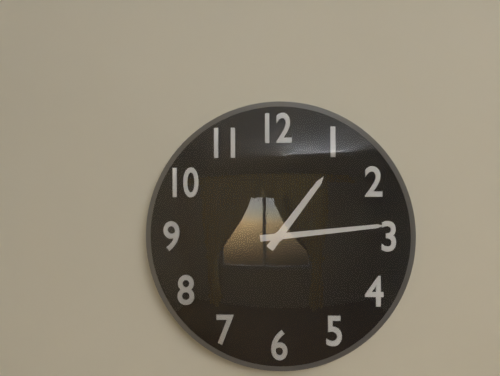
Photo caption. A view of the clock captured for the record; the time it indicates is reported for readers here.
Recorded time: 1:14
